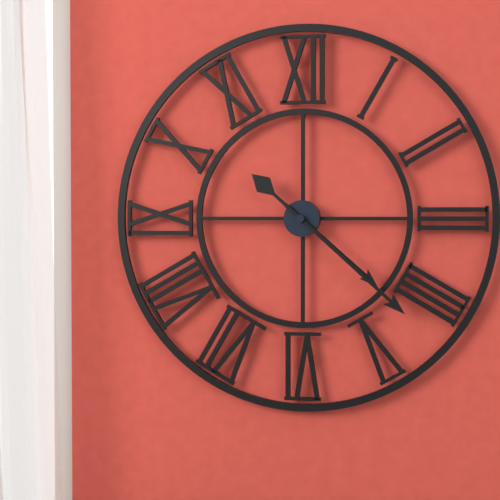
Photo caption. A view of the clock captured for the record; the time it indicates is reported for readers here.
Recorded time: 4:22
